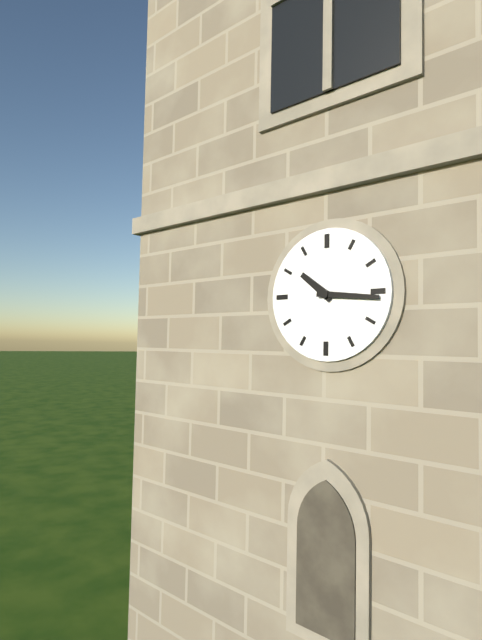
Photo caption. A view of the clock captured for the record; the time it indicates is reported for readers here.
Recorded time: 10:16
